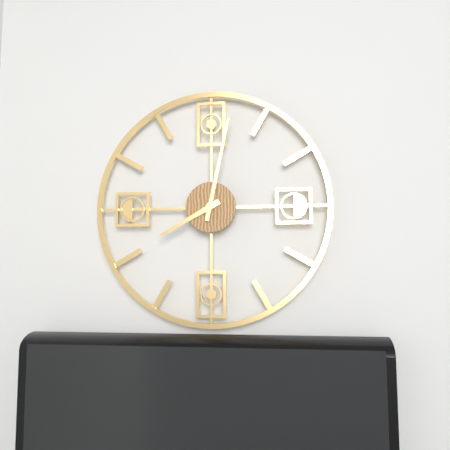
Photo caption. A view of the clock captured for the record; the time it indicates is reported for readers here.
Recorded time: 8:02
